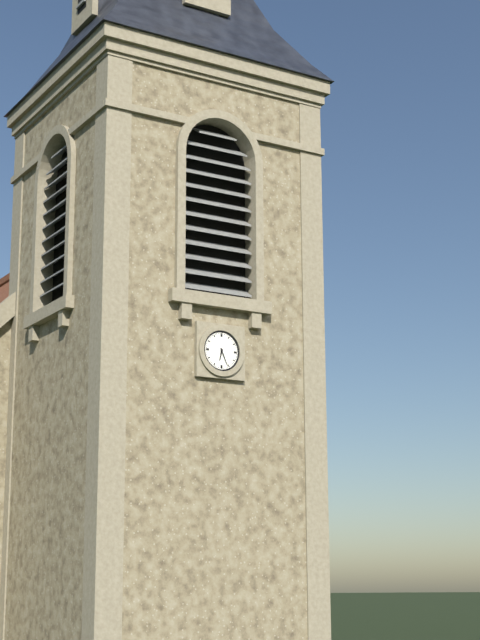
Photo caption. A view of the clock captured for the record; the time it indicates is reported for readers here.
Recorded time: 6:26
